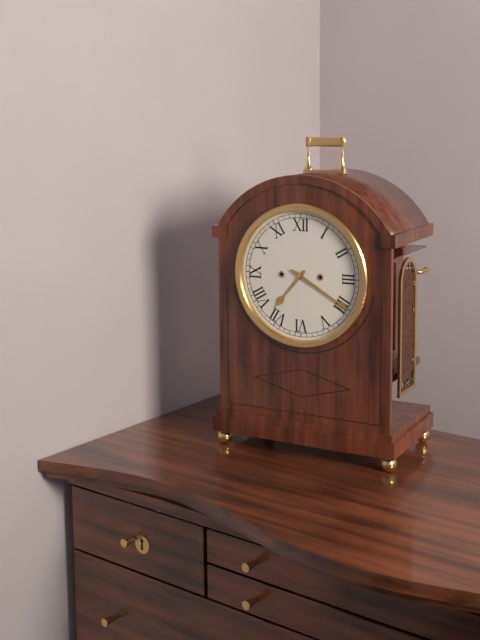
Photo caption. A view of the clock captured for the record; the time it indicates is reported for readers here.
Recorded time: 7:20
